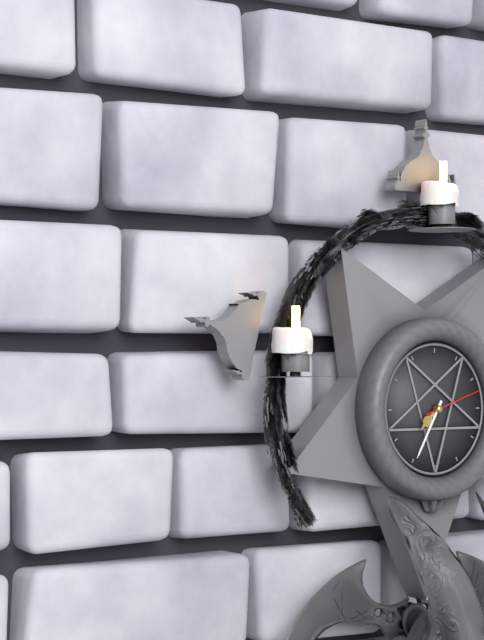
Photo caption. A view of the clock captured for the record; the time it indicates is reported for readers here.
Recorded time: 7:35:12
